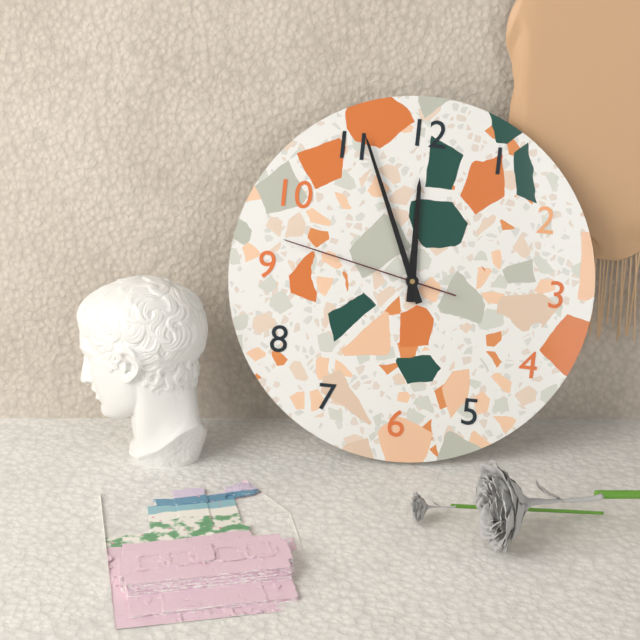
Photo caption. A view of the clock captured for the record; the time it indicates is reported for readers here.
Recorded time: 11:56:47
